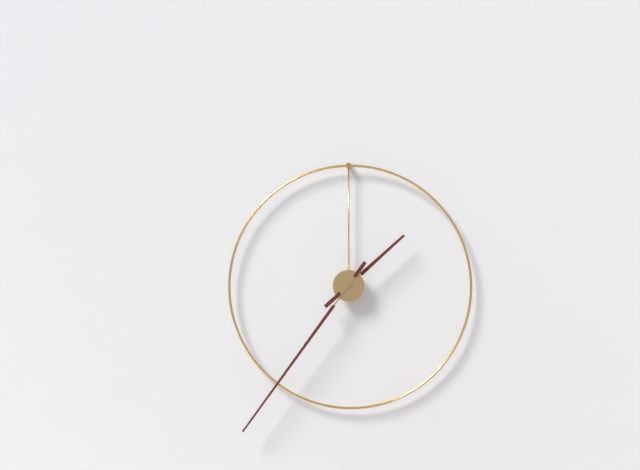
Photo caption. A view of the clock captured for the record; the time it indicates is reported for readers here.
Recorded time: 1:36
